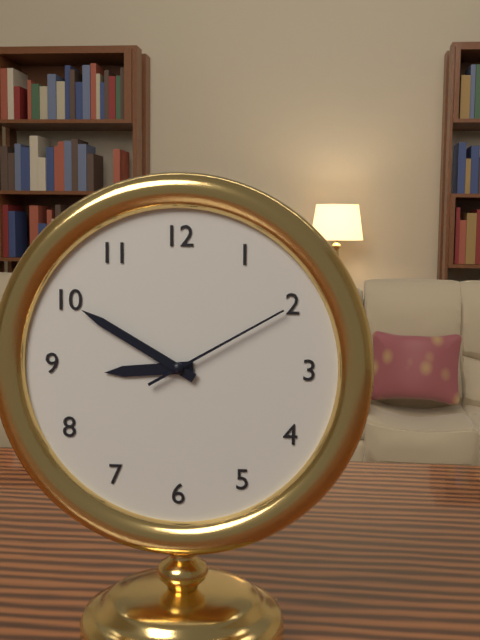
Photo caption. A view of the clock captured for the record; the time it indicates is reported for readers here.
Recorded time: 8:50:10
